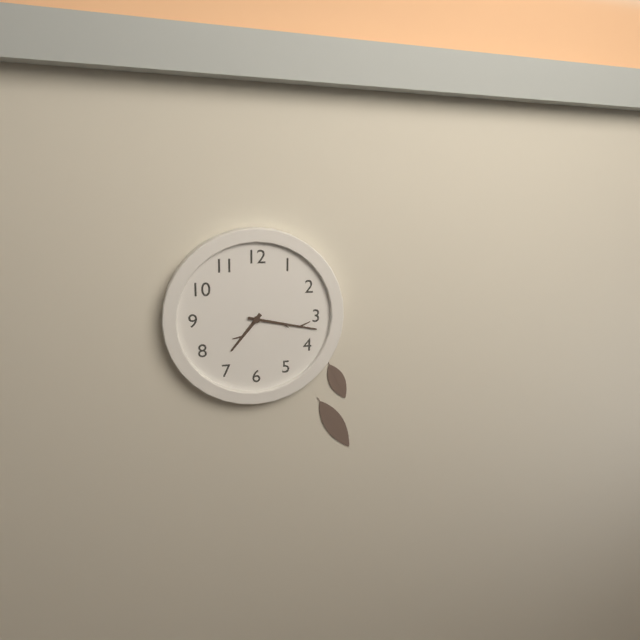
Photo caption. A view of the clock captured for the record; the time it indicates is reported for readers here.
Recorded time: 7:17
